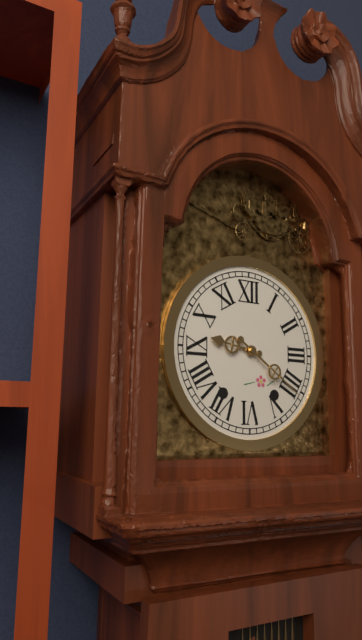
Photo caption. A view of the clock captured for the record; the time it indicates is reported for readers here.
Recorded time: 9:21
